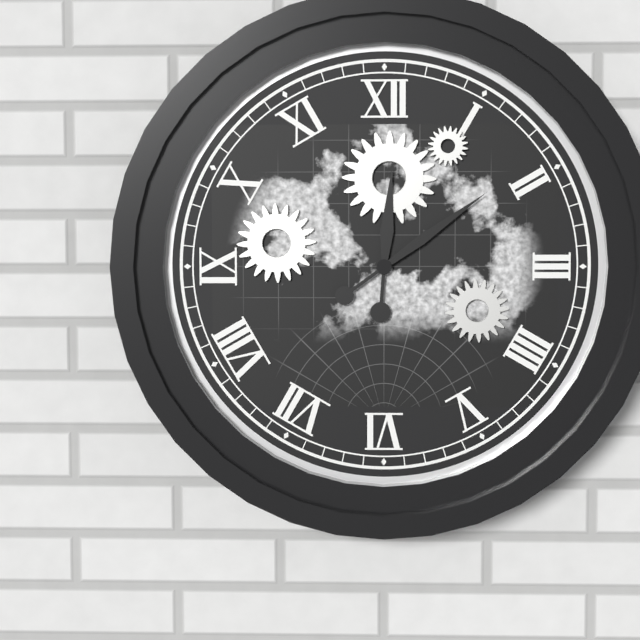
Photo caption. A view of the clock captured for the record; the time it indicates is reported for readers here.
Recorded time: 12:09
